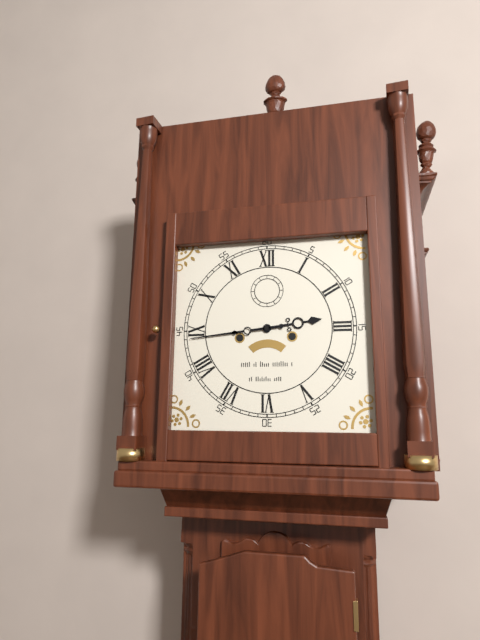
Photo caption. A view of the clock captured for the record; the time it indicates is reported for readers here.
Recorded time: 2:44
